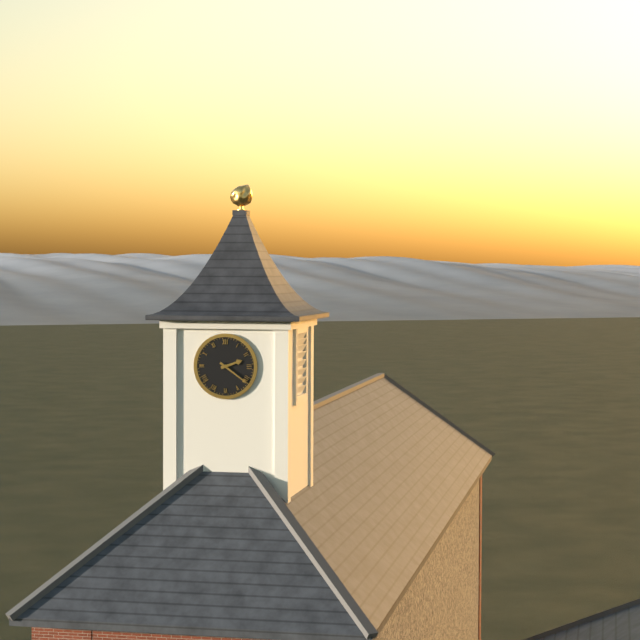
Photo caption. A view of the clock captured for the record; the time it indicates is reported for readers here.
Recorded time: 2:21
